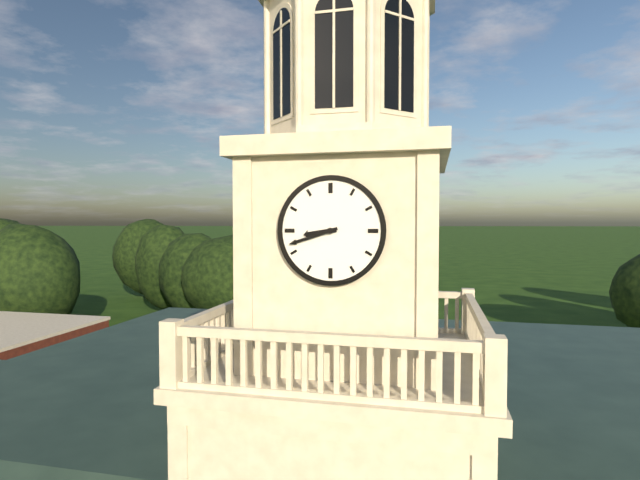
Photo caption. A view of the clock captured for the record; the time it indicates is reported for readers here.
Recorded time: 8:42
